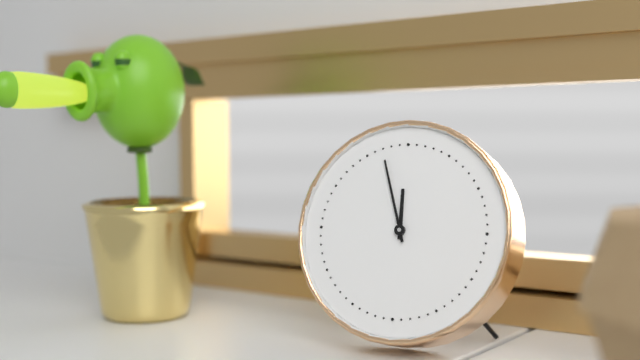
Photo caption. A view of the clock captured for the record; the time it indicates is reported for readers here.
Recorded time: 11:57
